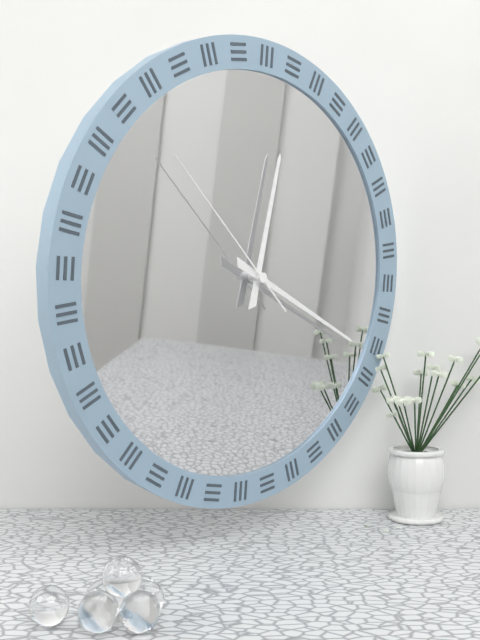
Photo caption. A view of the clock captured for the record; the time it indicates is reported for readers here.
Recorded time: 12:19:52
